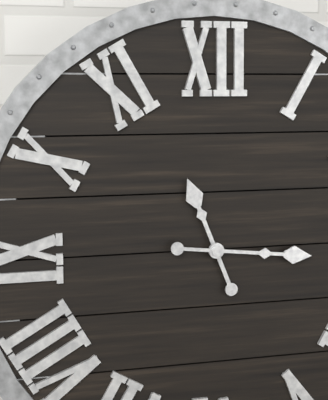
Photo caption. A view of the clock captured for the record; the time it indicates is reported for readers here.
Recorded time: 11:16
